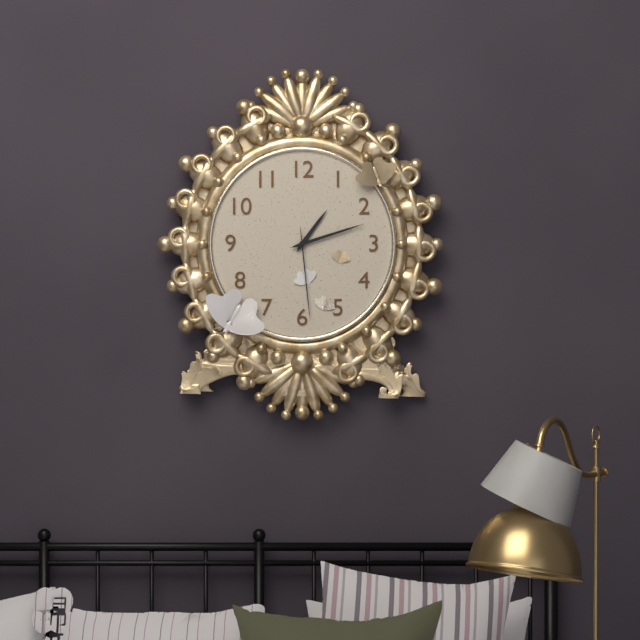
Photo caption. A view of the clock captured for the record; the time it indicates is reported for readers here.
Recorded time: 1:12:29
